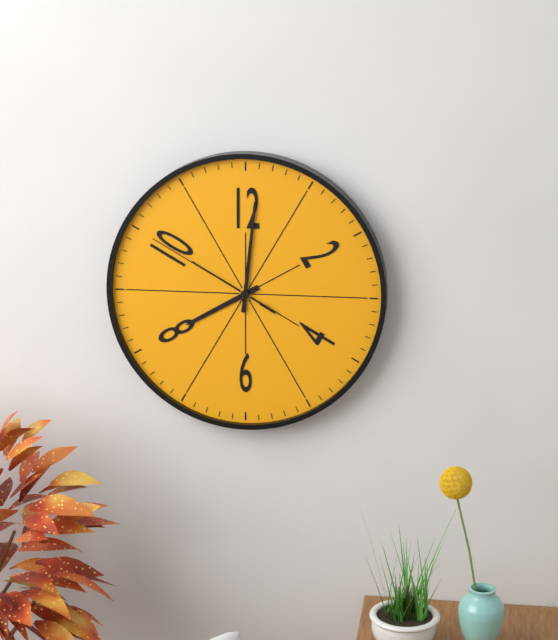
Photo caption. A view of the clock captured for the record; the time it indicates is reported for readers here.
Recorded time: 8:01:50
